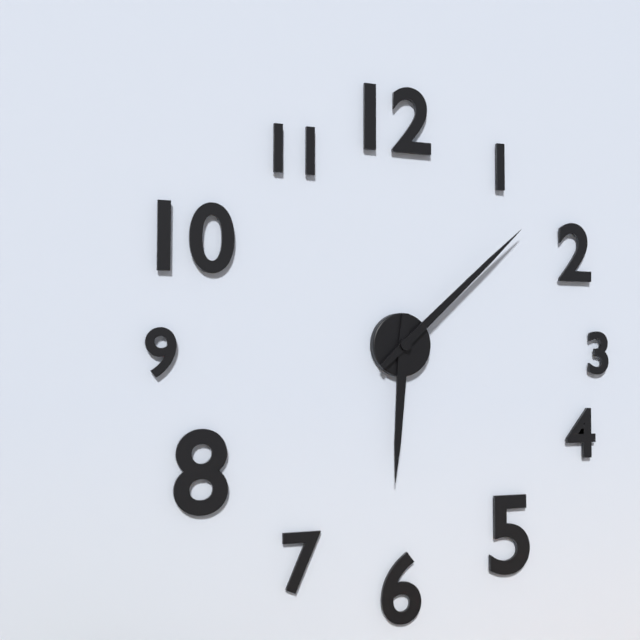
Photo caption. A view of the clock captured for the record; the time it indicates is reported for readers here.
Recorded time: 6:08
